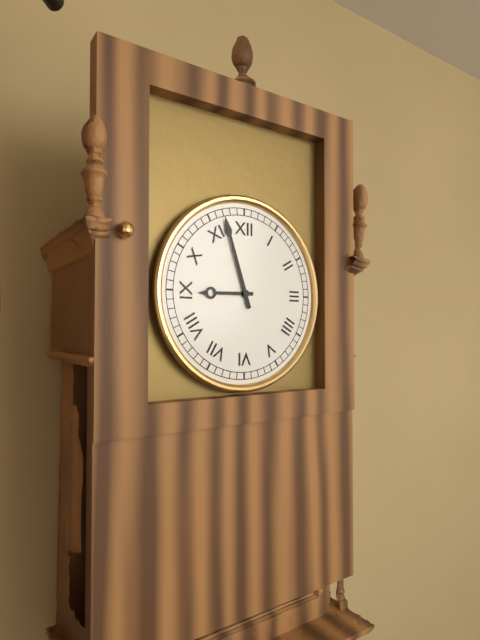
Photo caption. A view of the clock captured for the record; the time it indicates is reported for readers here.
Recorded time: 8:57
